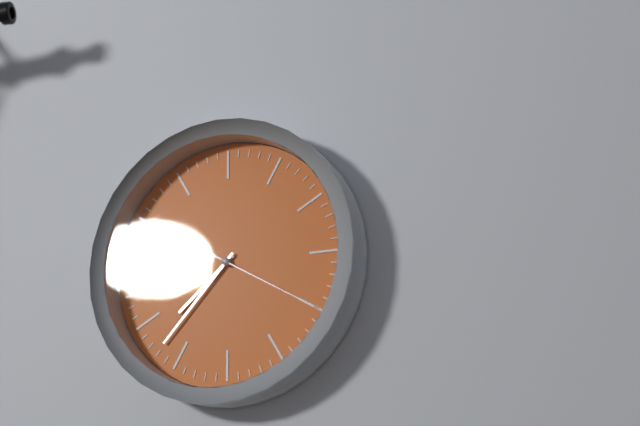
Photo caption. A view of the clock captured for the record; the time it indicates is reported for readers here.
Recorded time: 7:37:20
